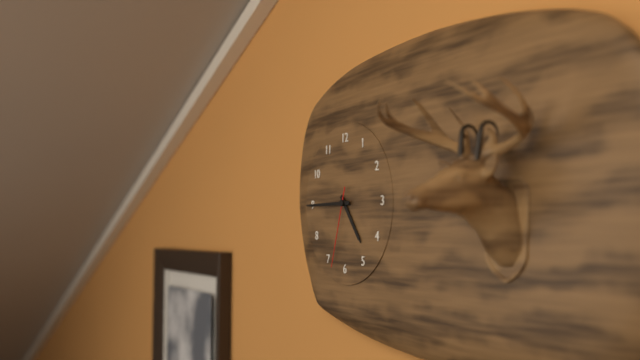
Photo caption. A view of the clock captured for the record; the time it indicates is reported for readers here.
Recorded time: 4:45:33
